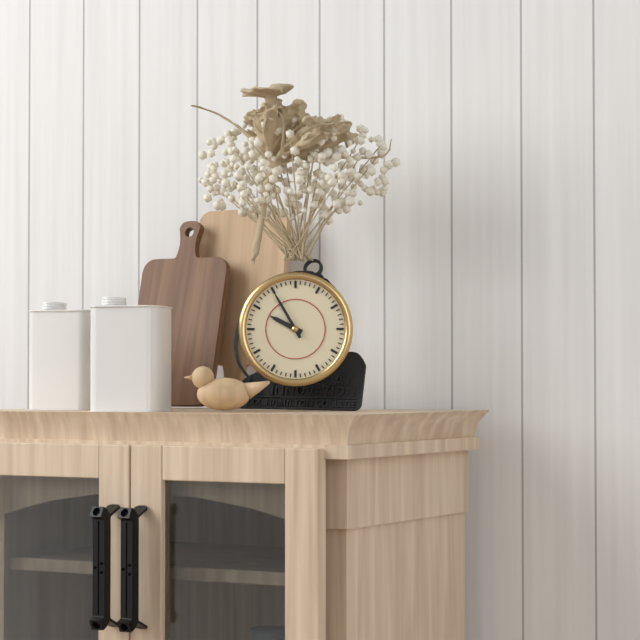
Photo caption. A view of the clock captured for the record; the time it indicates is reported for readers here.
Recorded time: 9:55
